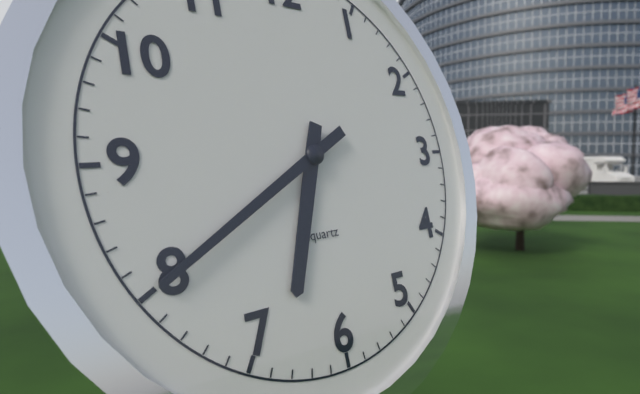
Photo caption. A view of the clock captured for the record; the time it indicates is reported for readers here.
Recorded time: 6:40
